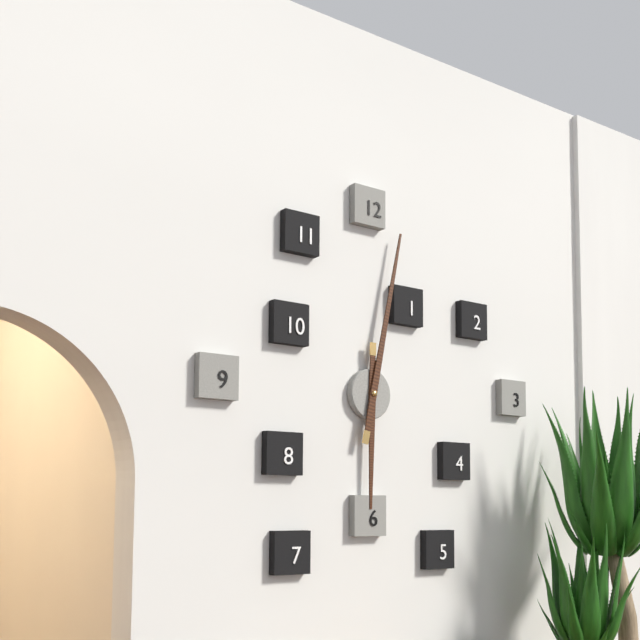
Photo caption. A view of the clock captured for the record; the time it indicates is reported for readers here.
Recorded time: 6:02
